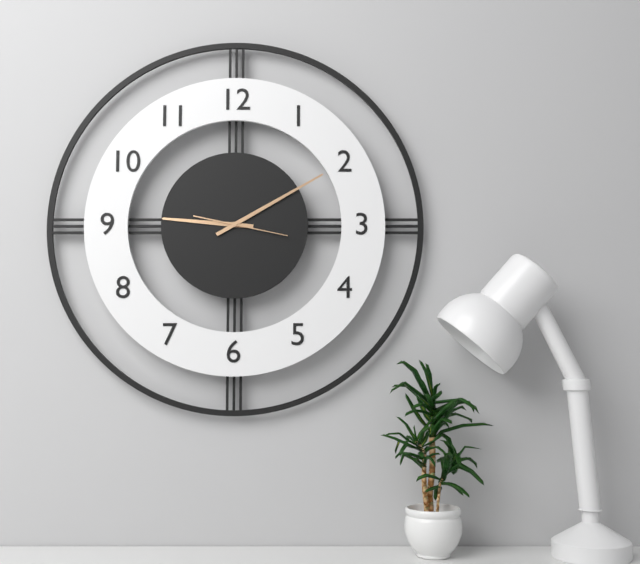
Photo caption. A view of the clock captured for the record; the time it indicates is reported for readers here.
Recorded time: 9:10:17
